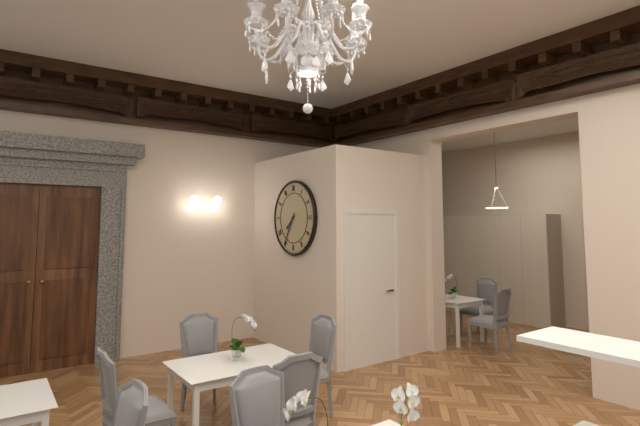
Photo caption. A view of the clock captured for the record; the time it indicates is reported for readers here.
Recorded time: 7:35
